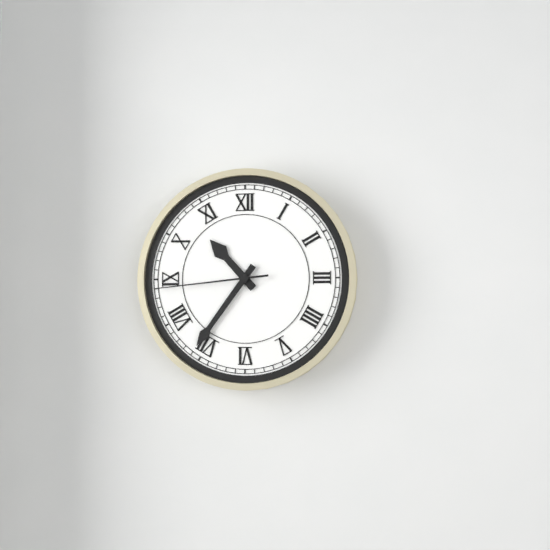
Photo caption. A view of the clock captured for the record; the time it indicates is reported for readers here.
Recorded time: 10:36:44
